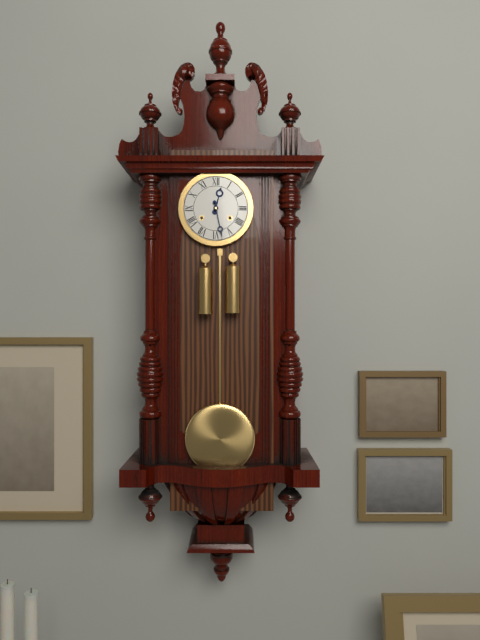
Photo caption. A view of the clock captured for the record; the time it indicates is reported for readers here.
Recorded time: 12:28
